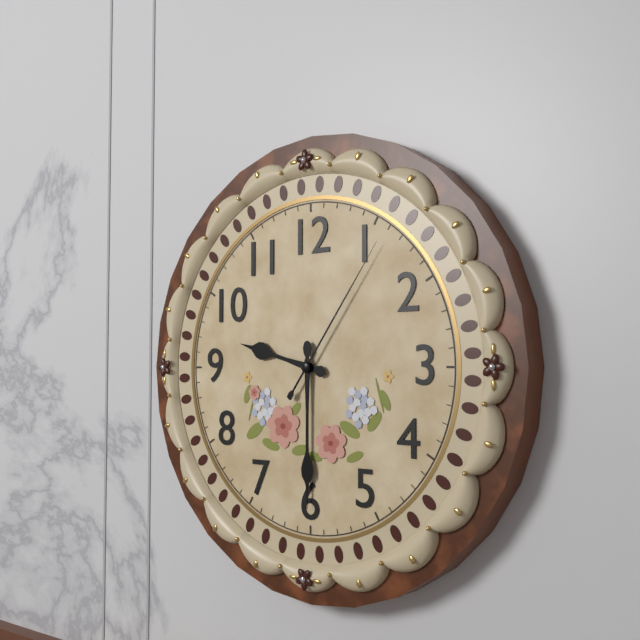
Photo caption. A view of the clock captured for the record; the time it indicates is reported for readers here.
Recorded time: 9:30:06
